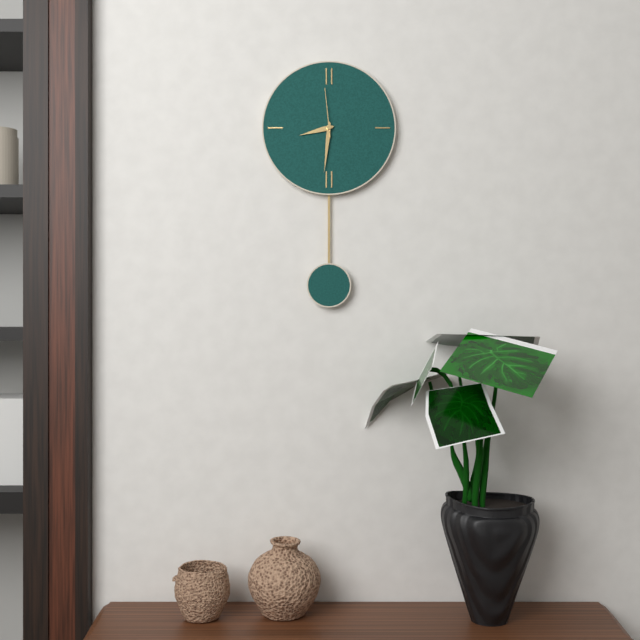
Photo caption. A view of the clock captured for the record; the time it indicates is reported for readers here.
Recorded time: 8:31:59
